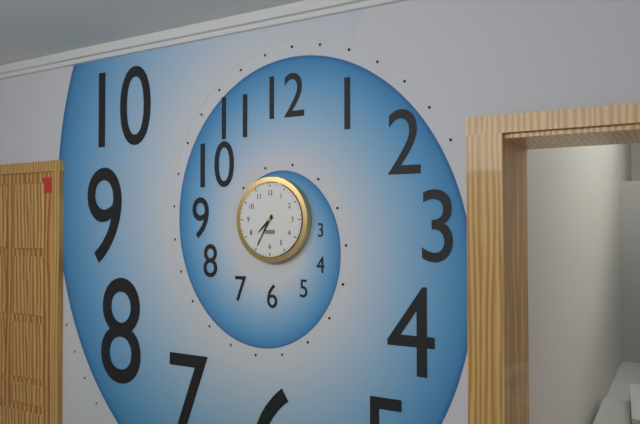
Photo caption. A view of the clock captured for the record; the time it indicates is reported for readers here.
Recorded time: 7:35
